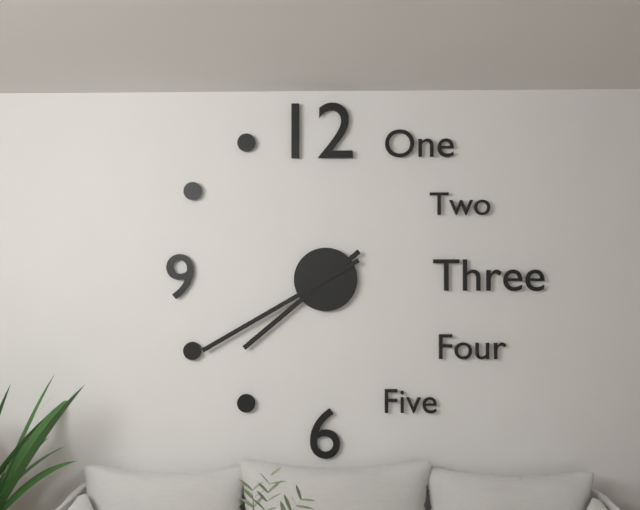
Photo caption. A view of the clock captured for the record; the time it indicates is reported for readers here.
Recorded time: 7:40
